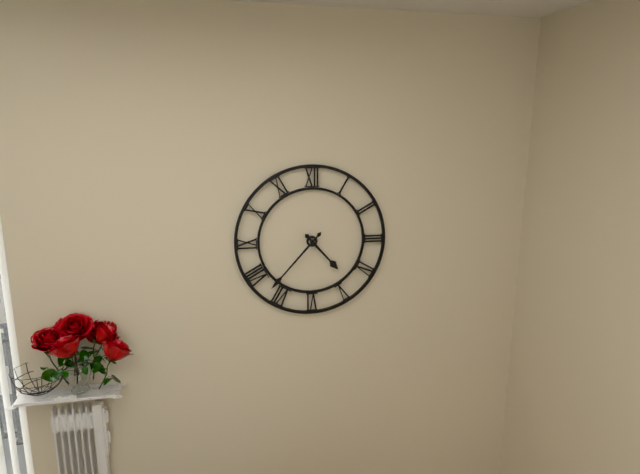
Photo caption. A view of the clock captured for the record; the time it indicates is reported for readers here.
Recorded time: 4:37
